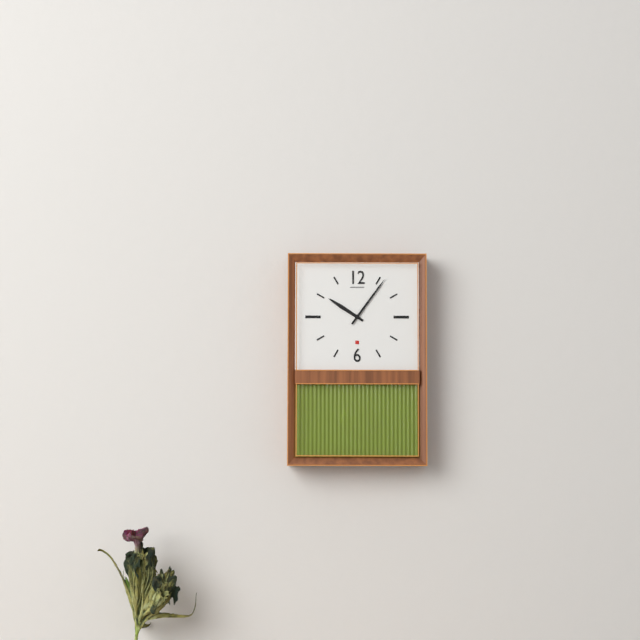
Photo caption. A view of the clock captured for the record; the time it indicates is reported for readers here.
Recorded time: 10:06
